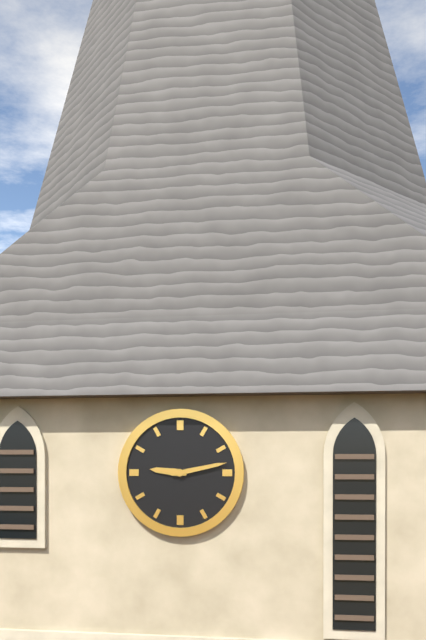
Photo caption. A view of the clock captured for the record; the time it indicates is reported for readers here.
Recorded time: 9:13
